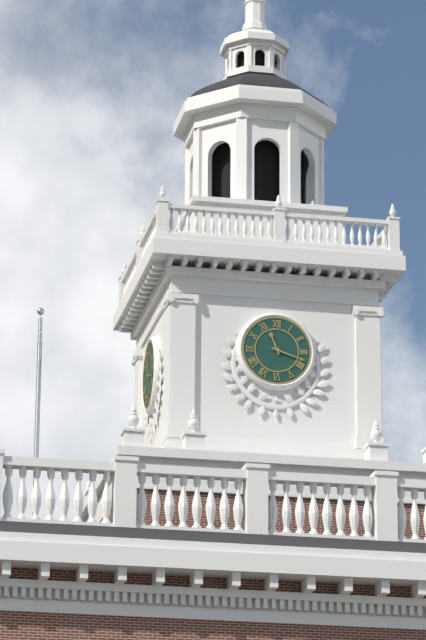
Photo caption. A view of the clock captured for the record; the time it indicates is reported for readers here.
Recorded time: 11:18
